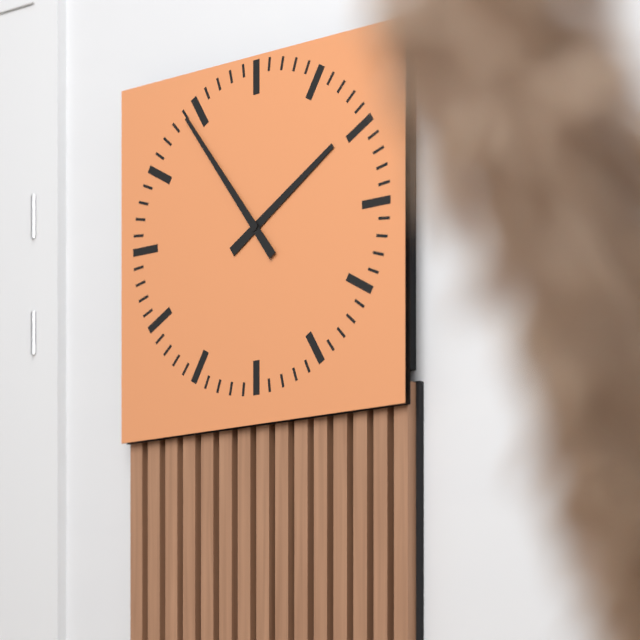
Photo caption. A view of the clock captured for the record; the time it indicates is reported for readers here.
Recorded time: 1:54
